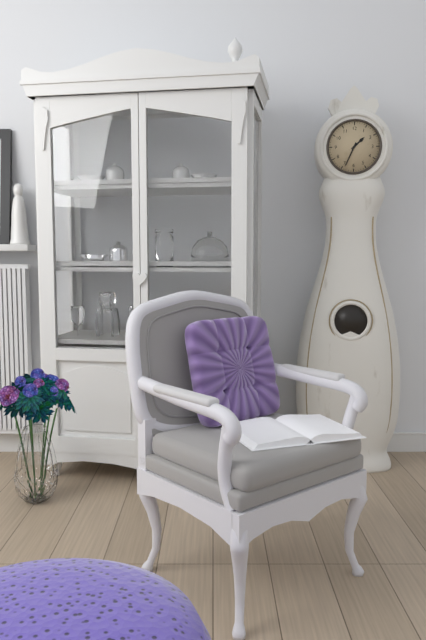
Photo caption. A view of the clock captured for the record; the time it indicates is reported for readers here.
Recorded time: 1:34
